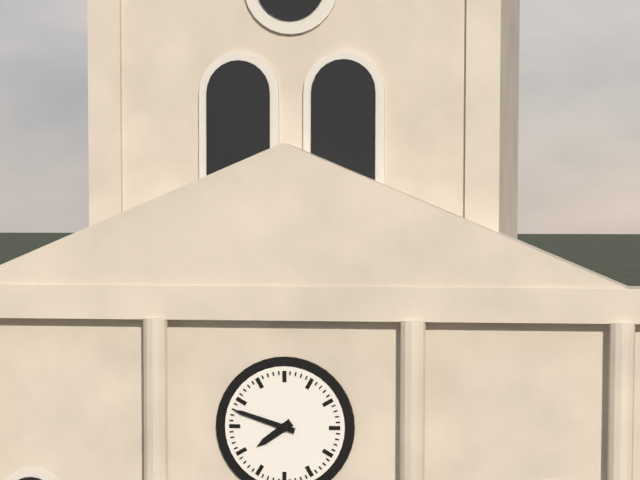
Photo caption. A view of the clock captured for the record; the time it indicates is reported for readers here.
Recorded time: 7:48
